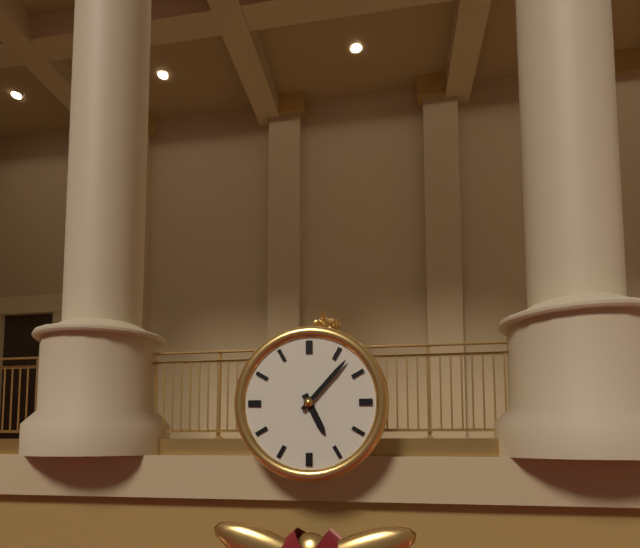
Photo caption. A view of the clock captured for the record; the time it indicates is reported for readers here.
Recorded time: 5:07
